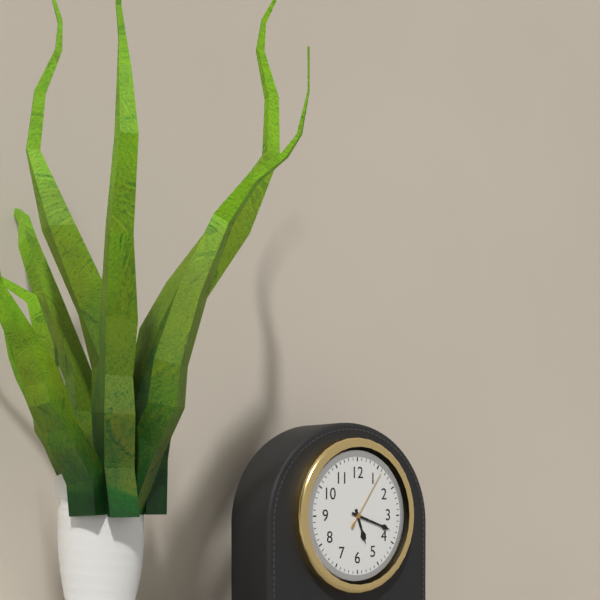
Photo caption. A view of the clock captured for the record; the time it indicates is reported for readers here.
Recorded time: 5:18:06
